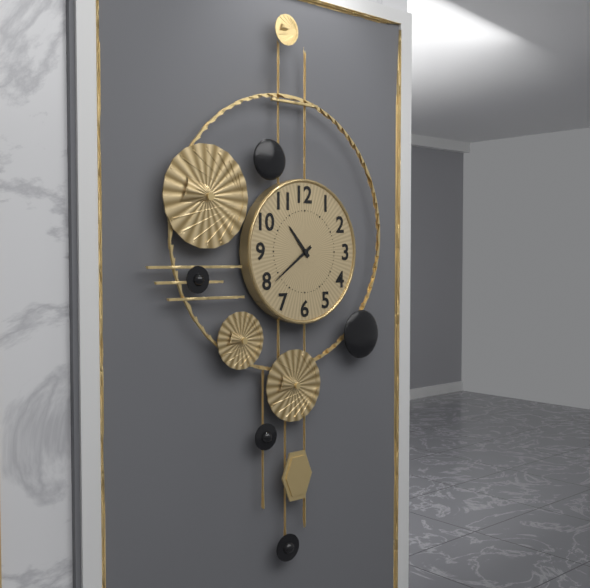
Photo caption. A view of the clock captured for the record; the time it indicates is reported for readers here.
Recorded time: 10:39
